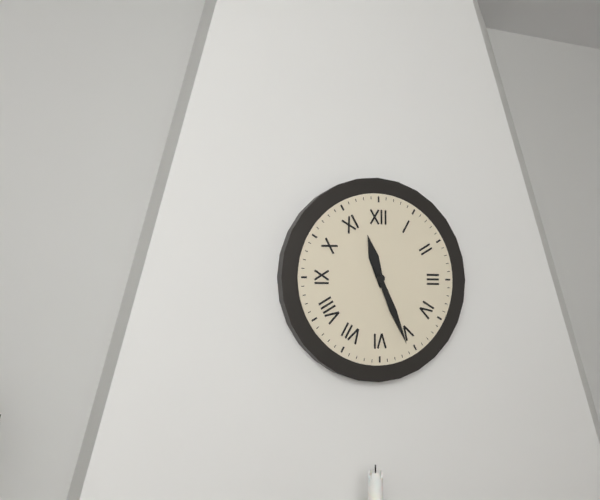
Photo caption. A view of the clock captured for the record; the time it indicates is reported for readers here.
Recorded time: 11:26
